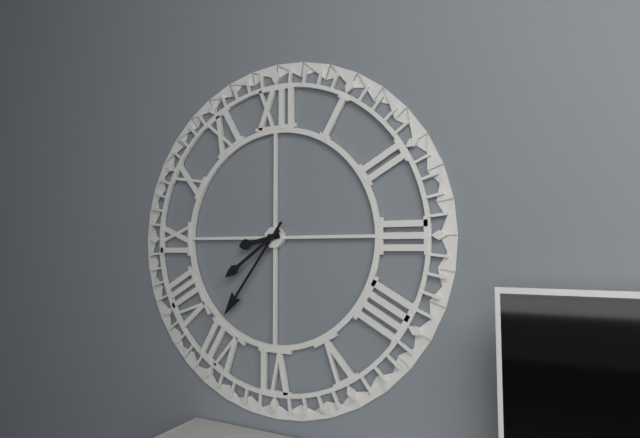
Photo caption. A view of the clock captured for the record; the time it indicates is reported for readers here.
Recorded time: 8:36:39
